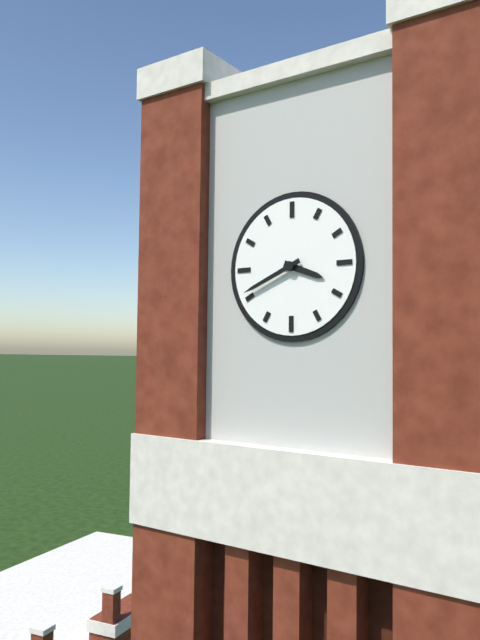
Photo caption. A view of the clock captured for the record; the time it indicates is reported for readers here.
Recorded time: 3:41
